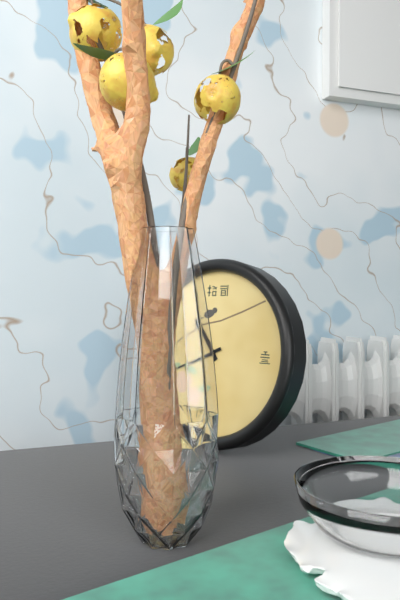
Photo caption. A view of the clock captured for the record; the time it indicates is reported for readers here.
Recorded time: 10:41
